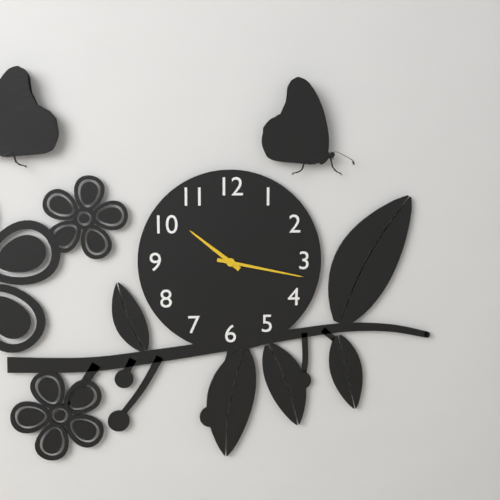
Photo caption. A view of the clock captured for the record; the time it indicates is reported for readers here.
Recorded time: 10:17
